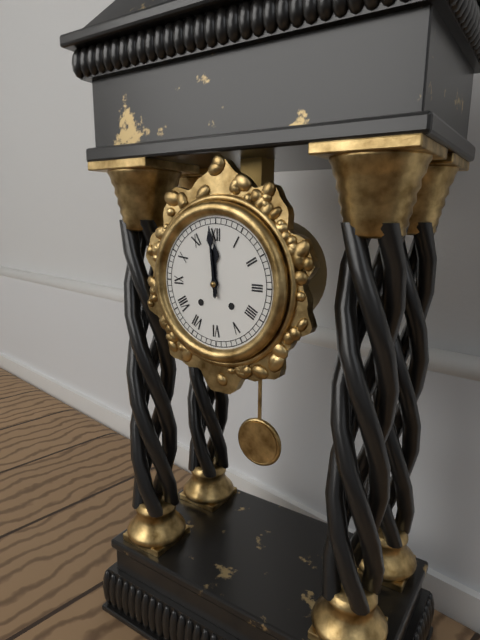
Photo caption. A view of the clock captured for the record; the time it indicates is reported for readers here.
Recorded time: 11:59
